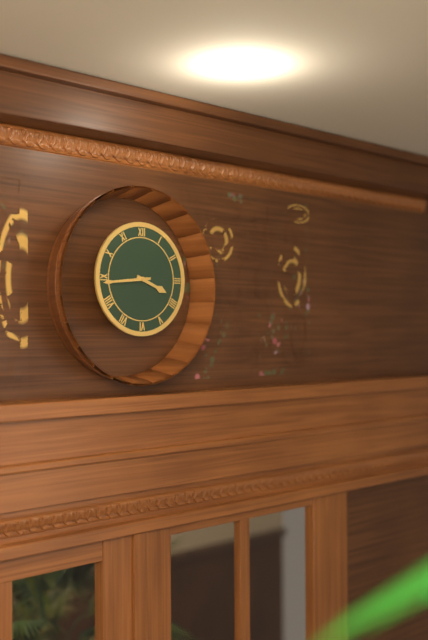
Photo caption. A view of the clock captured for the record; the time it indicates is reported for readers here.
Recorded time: 3:44
